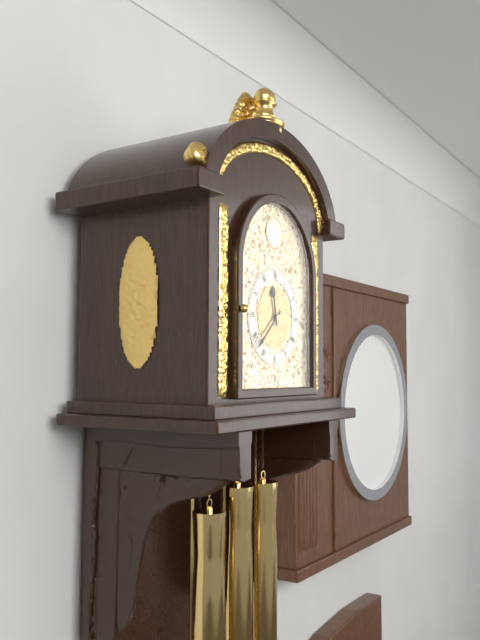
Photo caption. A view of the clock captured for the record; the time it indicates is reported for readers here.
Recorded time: 11:38
